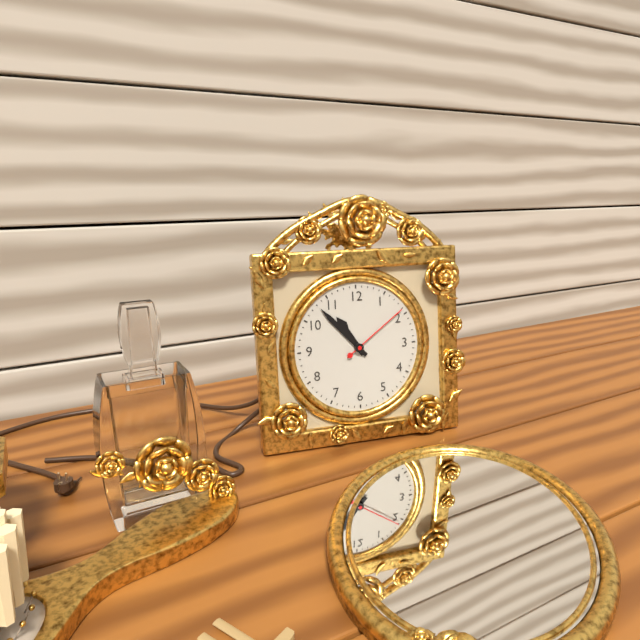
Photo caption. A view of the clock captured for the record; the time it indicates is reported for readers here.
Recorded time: 10:53:09
